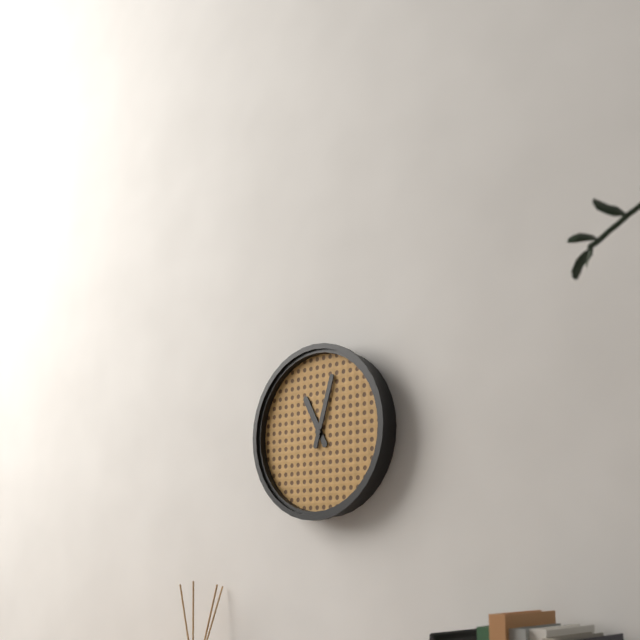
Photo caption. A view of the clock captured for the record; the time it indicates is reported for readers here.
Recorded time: 11:03
